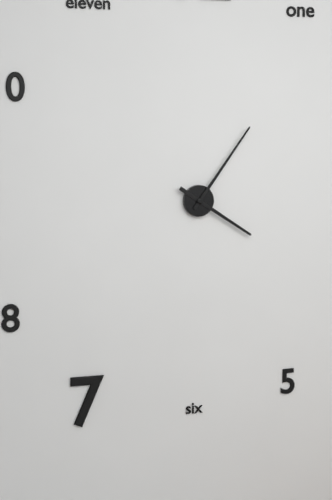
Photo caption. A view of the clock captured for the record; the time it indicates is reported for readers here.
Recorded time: 4:06
